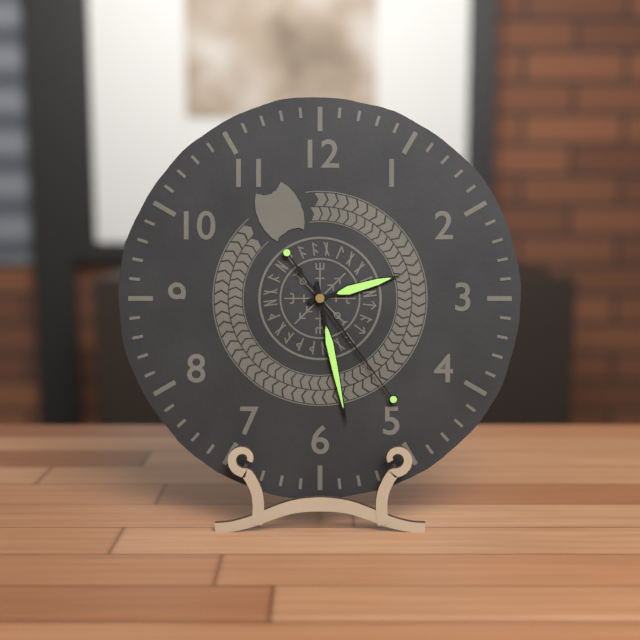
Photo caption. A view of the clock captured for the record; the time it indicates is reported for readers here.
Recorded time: 2:28:24
